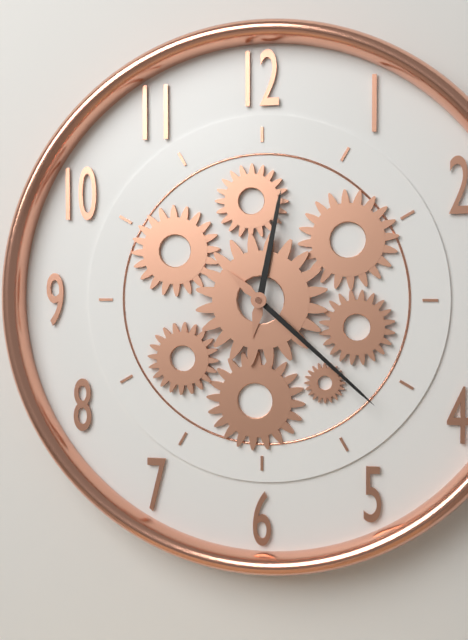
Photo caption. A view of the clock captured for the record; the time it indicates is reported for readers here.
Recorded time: 12:22
